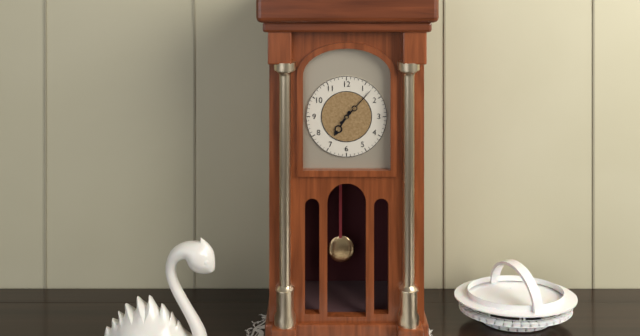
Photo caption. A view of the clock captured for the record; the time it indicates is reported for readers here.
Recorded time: 7:07
